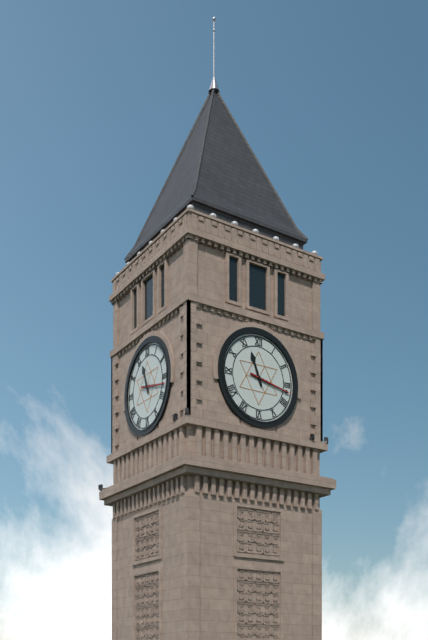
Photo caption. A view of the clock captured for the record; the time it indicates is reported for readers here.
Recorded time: 11:17
